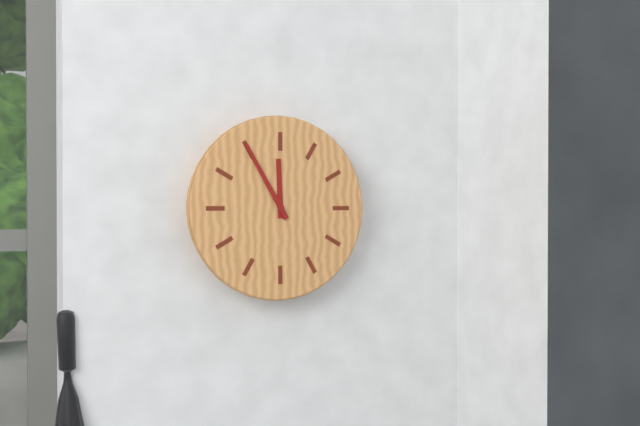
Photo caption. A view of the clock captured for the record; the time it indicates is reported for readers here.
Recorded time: 11:55
